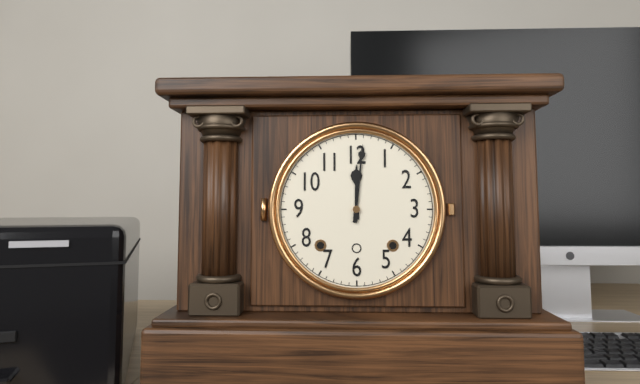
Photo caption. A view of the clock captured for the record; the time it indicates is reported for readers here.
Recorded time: 12:01
